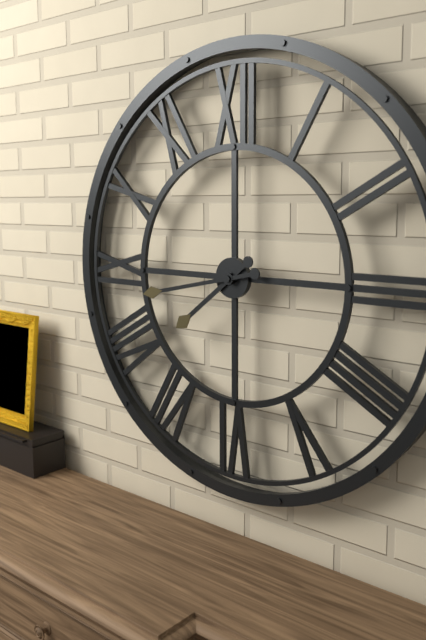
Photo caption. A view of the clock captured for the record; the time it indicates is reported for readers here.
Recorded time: 7:43
